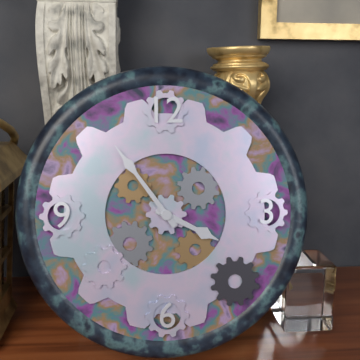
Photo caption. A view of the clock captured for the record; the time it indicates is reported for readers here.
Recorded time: 3:54
